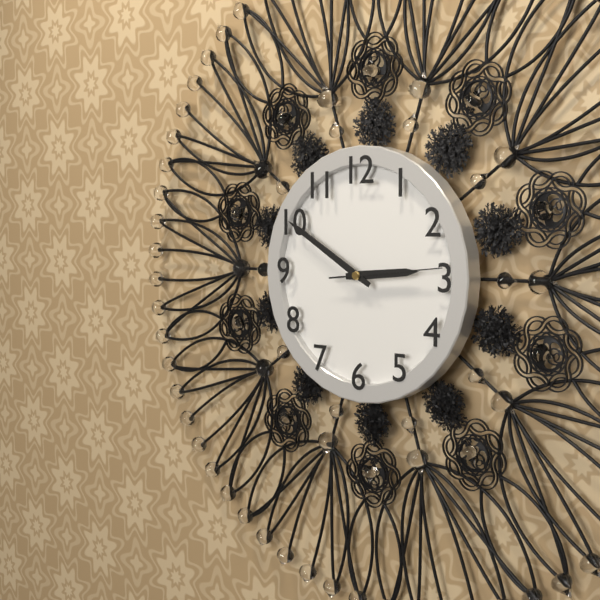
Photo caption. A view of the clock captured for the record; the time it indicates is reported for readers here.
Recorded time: 2:50:14
